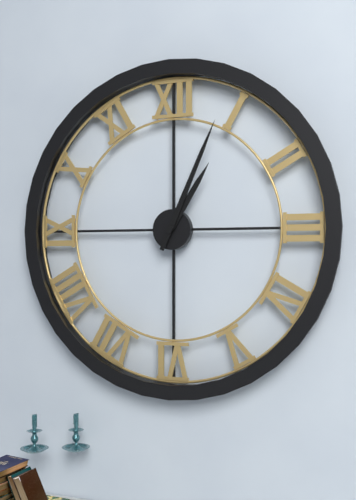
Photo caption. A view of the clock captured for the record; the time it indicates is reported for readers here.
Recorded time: 1:04
